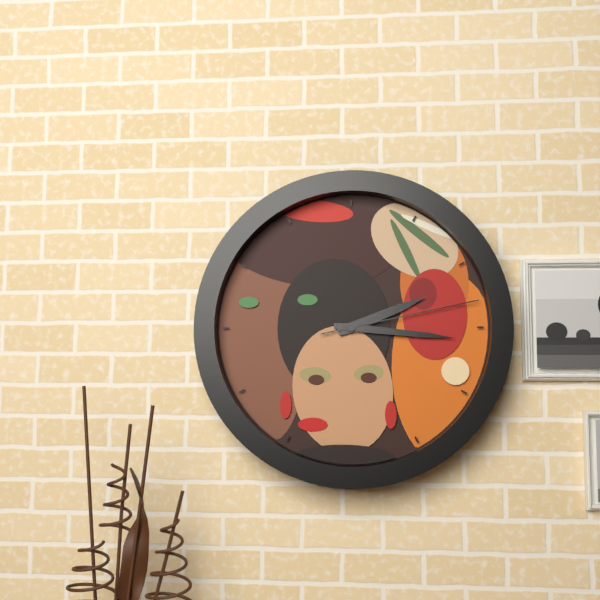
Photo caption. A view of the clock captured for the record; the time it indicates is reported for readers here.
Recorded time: 2:16:13
